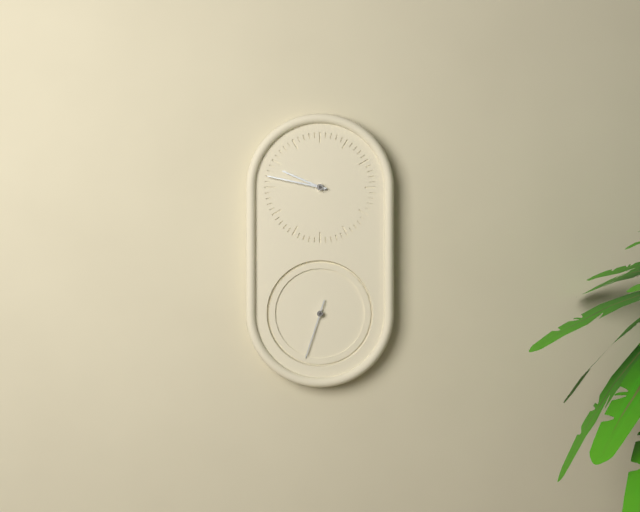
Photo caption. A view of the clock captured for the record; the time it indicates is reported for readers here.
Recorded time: 9:47:33
